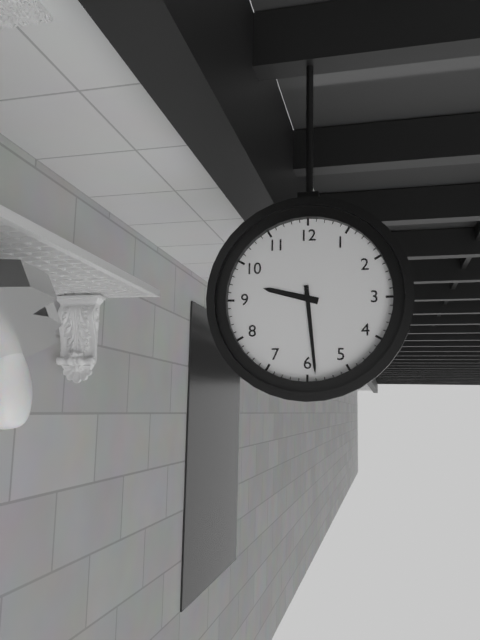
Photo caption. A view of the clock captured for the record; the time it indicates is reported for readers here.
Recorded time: 9:29
